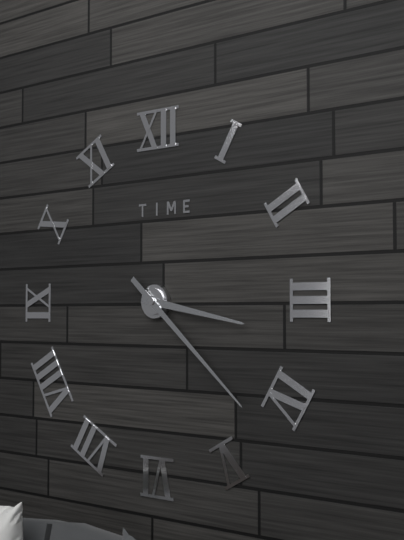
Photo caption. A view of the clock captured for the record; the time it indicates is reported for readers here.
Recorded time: 3:22
